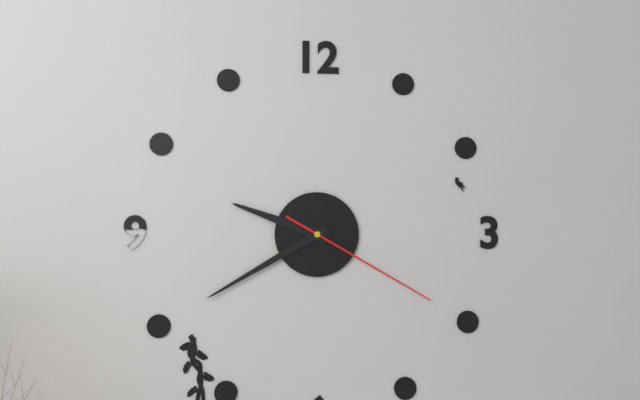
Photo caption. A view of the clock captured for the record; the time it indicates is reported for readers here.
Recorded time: 9:40:20
